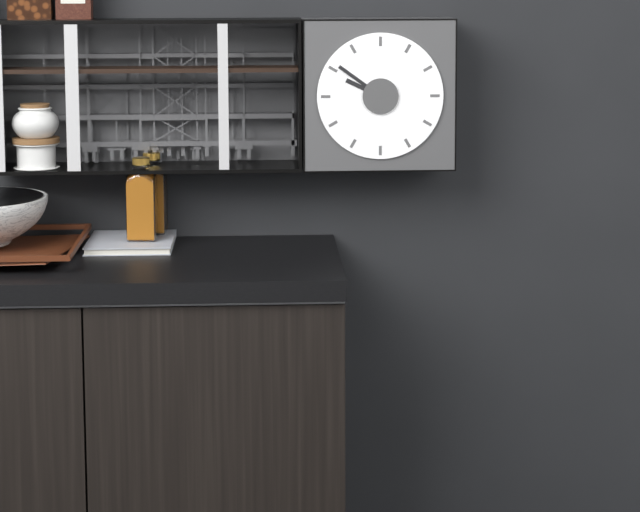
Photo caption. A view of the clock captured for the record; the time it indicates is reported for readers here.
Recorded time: 9:51
